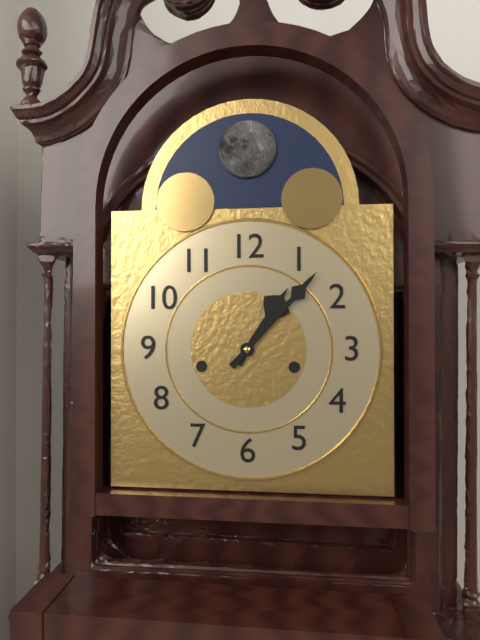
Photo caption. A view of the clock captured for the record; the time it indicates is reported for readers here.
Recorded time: 1:07
